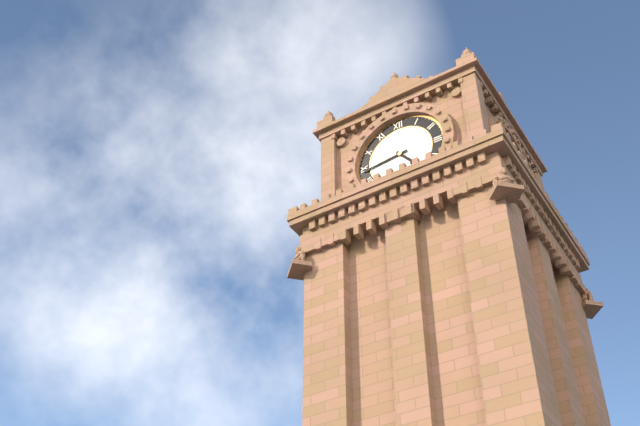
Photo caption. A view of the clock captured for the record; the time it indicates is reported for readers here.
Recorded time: 4:44
